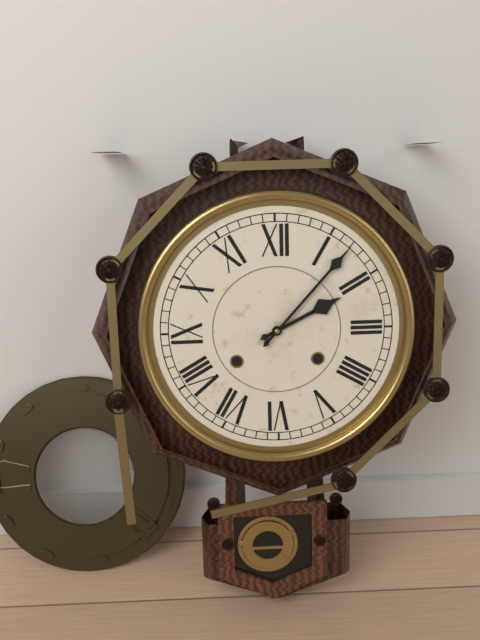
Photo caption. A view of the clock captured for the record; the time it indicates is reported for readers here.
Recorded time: 2:07
